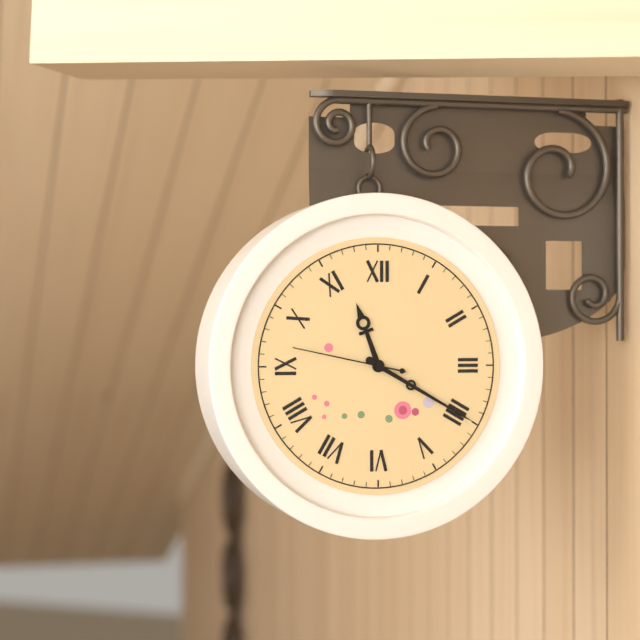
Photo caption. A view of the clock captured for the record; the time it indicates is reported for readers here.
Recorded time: 11:20:47
